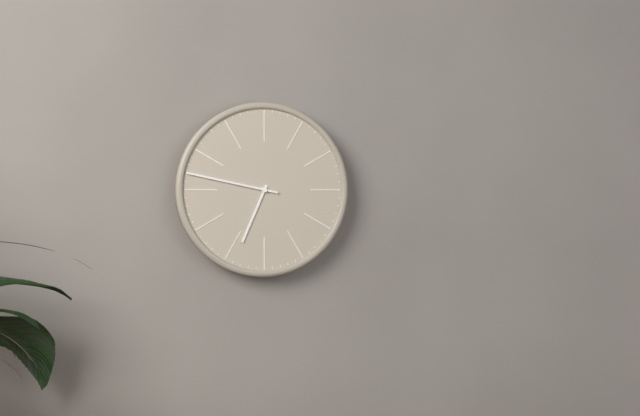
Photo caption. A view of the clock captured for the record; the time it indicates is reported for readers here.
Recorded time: 6:47
